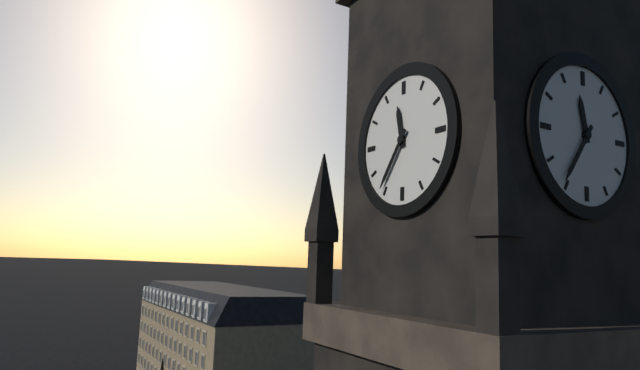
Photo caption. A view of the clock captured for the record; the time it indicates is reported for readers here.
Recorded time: 11:36
